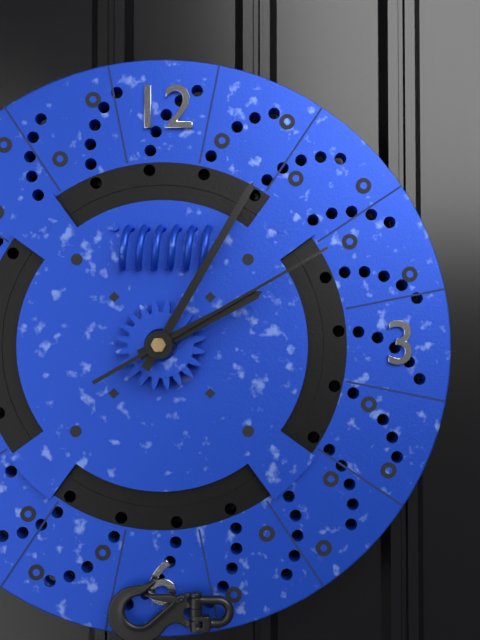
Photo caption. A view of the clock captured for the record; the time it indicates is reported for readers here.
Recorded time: 2:05:10
